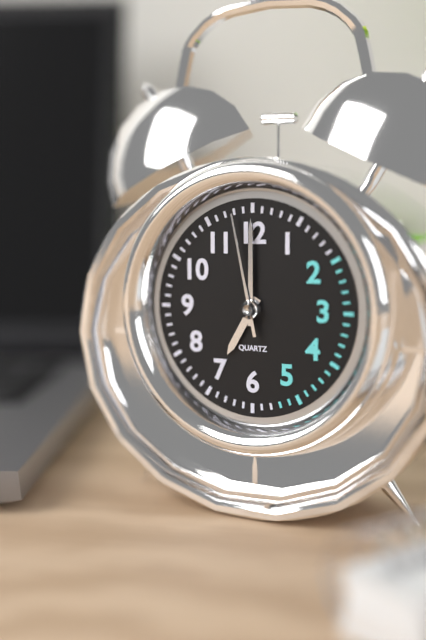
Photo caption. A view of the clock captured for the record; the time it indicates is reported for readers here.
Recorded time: 7:00:58
